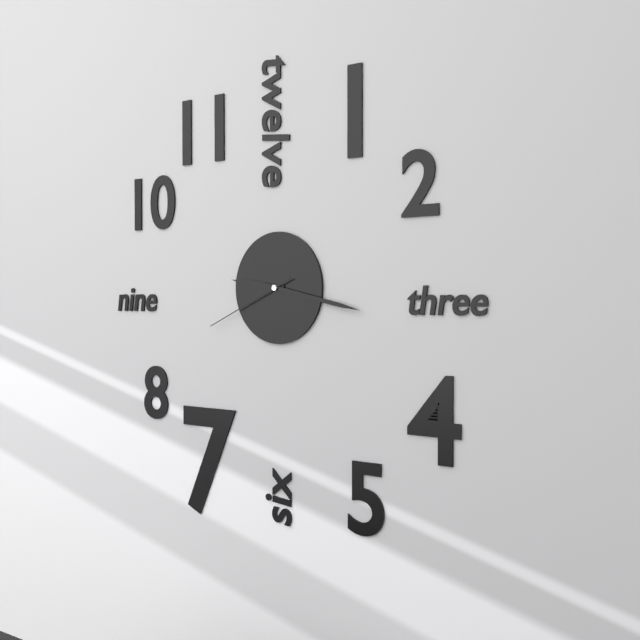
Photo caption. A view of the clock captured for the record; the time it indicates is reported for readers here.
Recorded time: 9:17:41
